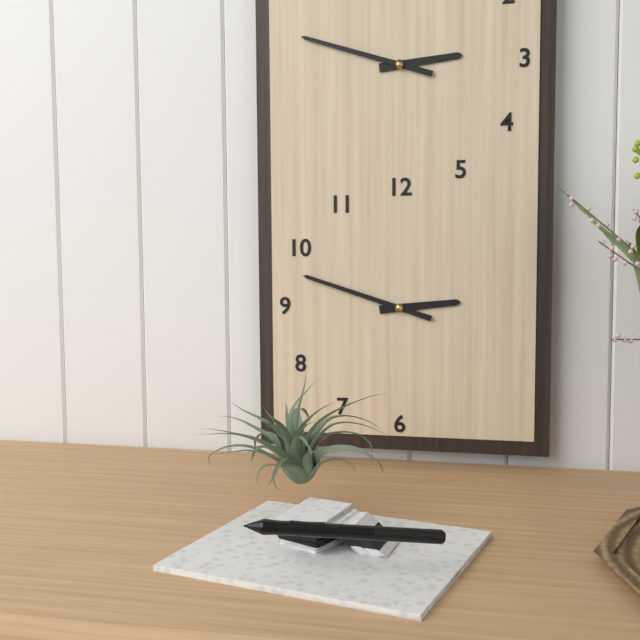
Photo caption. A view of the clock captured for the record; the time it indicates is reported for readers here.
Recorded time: 2:48
